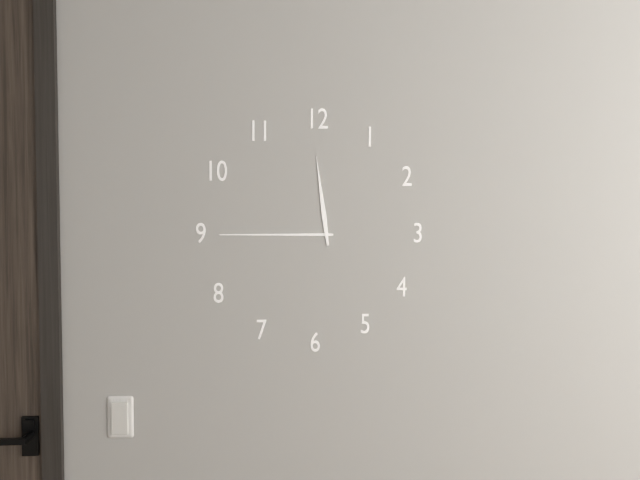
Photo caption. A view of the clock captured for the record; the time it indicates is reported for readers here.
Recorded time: 11:45
